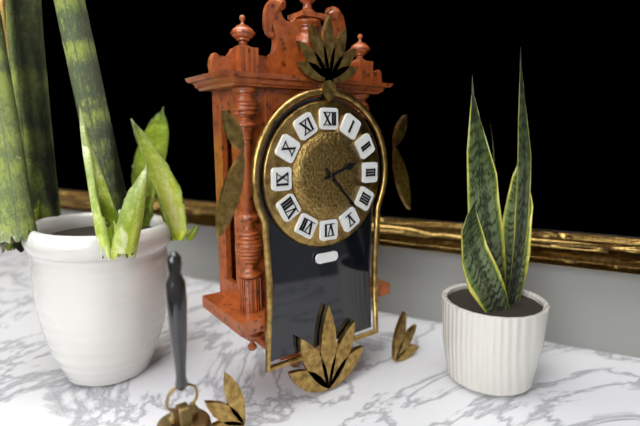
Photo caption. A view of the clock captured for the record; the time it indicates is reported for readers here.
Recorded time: 2:23
